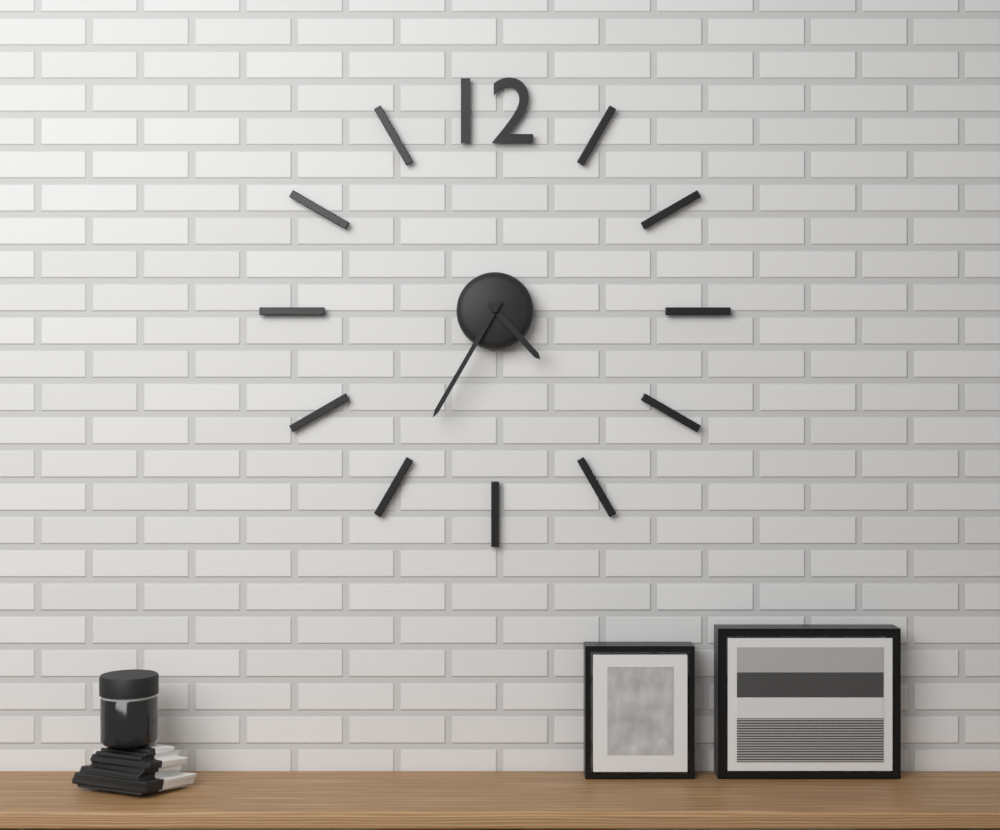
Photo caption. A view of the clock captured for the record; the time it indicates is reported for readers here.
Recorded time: 4:35
